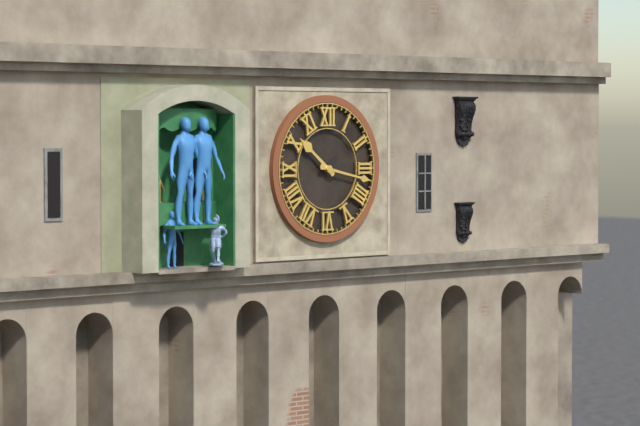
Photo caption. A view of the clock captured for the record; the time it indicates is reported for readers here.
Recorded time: 10:17
